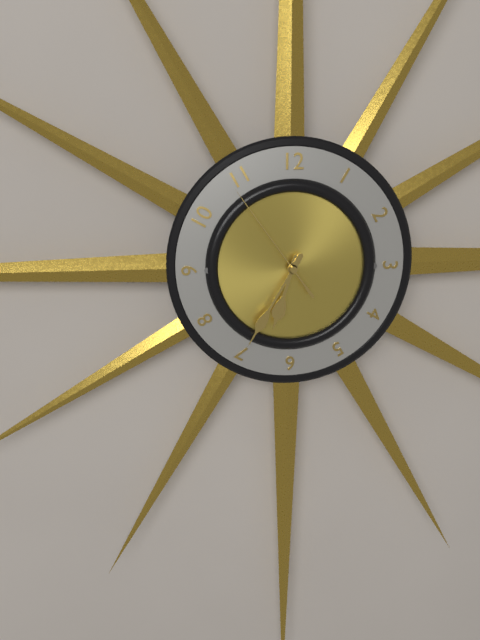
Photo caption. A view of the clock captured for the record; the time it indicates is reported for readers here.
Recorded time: 6:35:54
